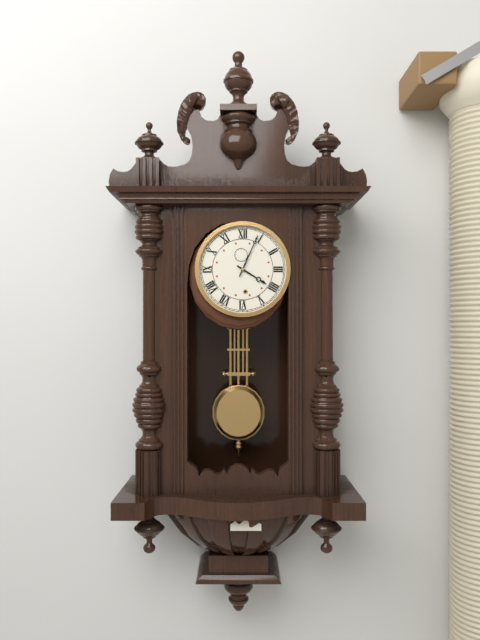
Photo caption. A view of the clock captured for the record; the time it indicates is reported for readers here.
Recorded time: 4:04
